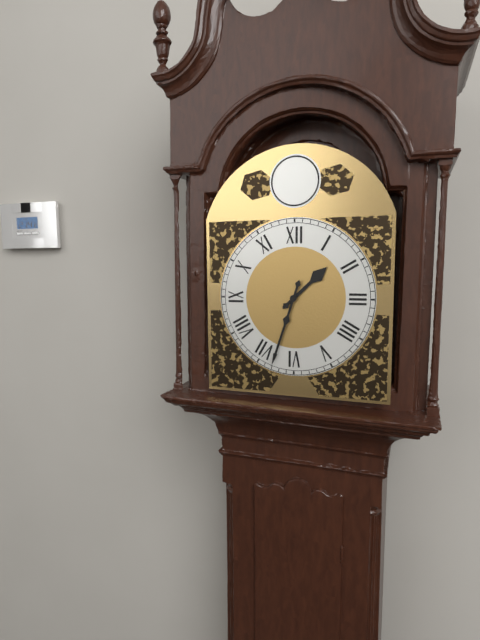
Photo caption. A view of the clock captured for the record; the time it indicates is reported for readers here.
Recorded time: 1:33
